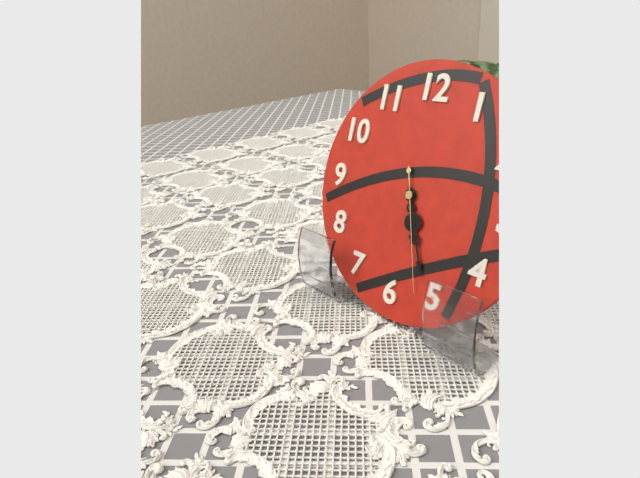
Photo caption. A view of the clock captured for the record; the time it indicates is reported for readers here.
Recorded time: 5:26:27
